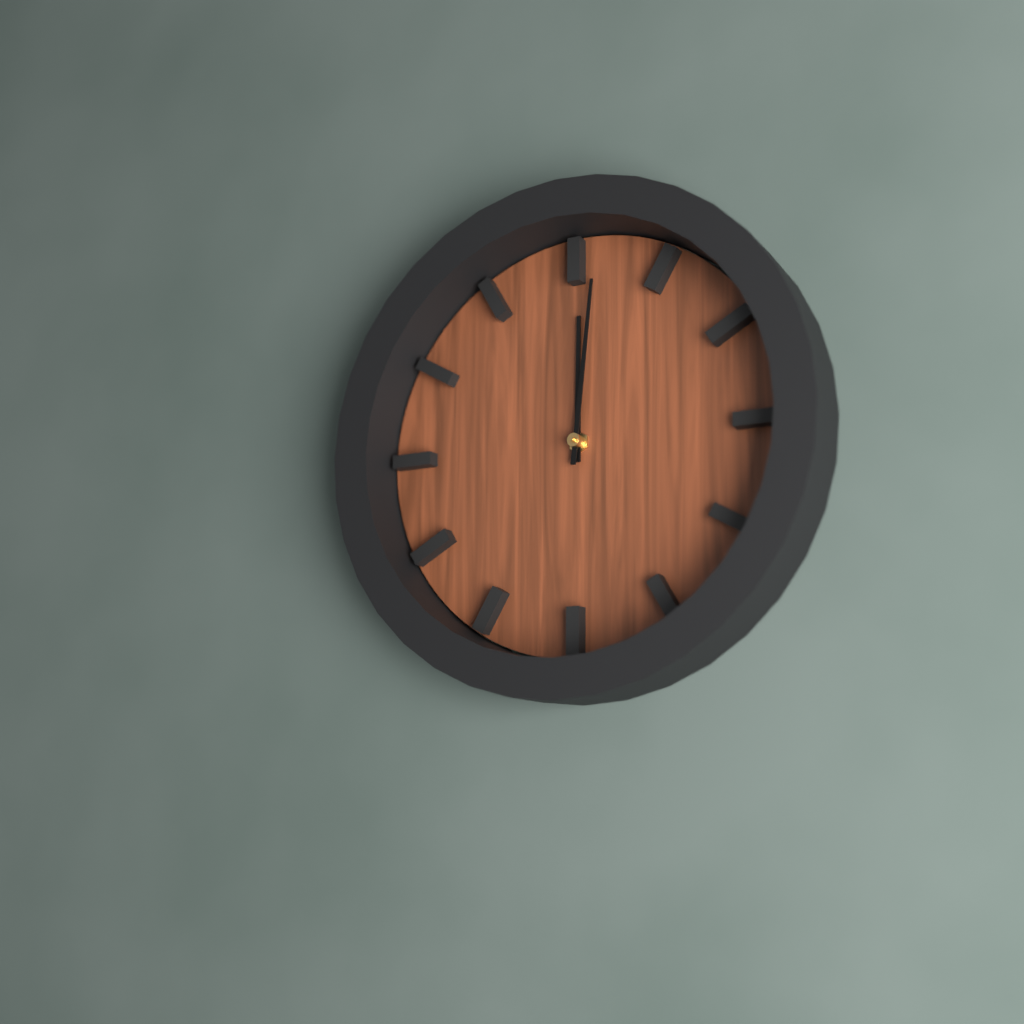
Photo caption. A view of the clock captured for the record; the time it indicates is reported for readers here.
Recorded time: 12:01
